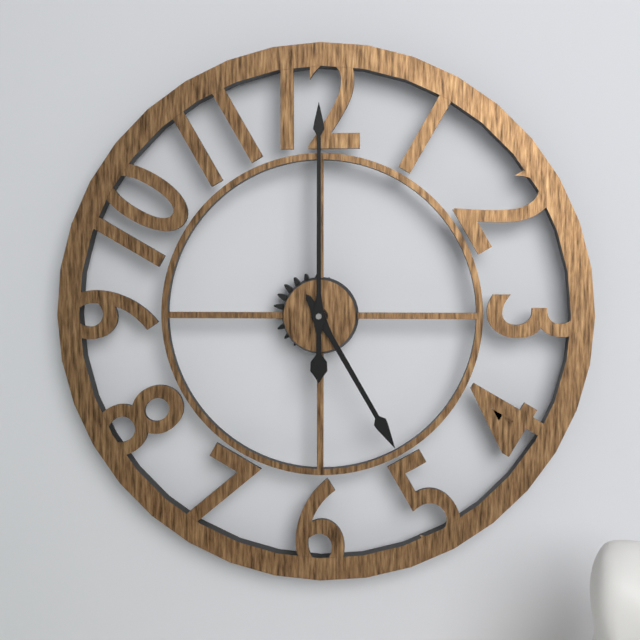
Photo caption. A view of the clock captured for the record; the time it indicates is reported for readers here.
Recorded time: 5:00
